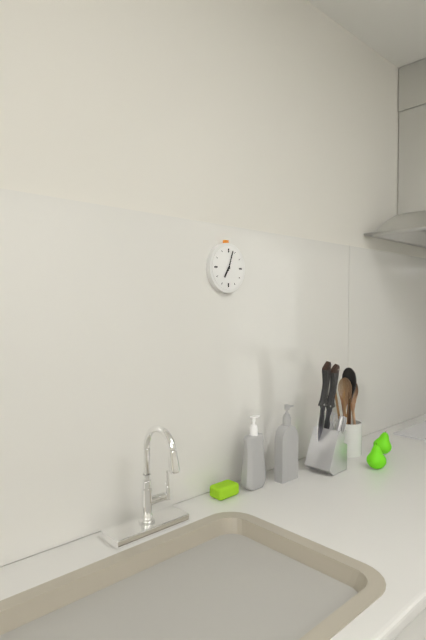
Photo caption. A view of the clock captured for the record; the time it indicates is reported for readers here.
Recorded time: 7:03
